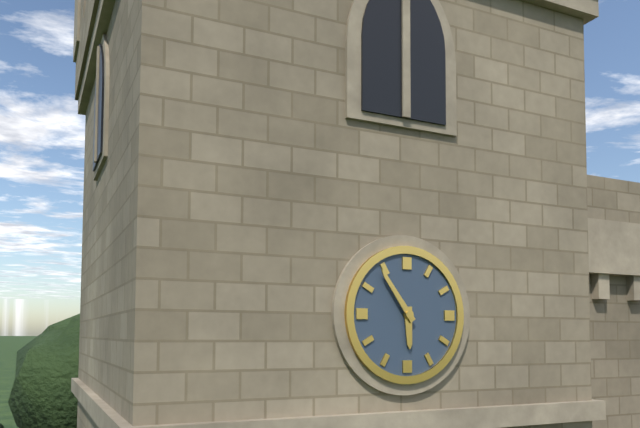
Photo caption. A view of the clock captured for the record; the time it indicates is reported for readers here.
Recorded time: 5:54
